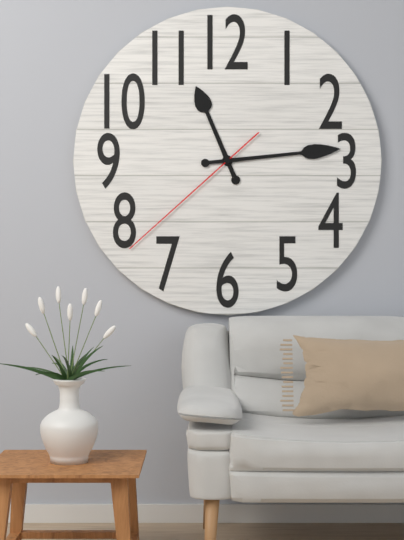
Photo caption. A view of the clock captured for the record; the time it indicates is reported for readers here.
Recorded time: 11:14:38
